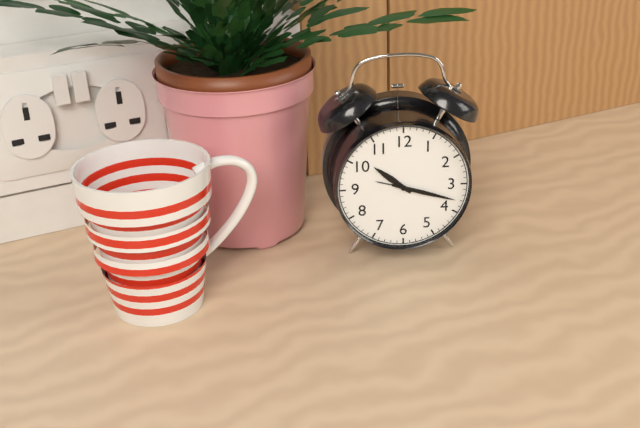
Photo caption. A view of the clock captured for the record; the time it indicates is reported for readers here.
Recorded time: 10:18
